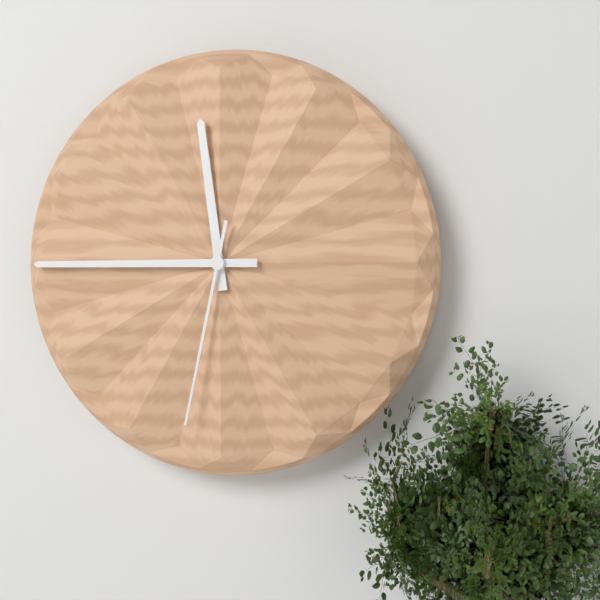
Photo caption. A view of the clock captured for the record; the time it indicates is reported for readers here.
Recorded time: 11:45:32
